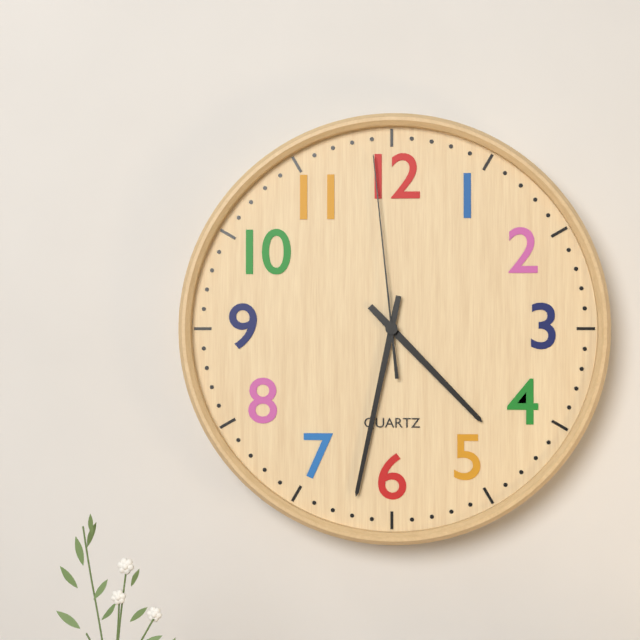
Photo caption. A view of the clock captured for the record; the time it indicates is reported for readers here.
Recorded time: 4:32:59
